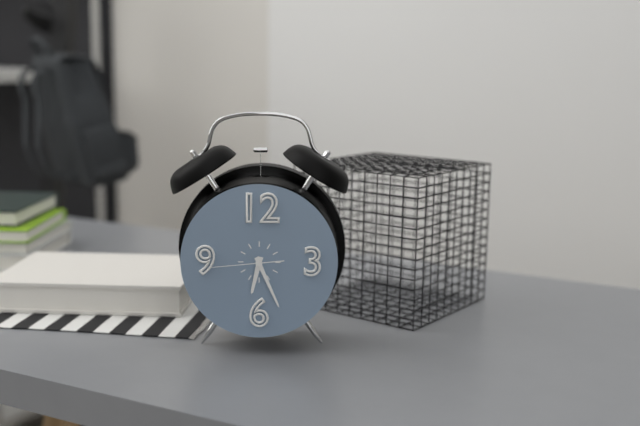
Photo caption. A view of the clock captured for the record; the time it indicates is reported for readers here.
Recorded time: 6:26:44
